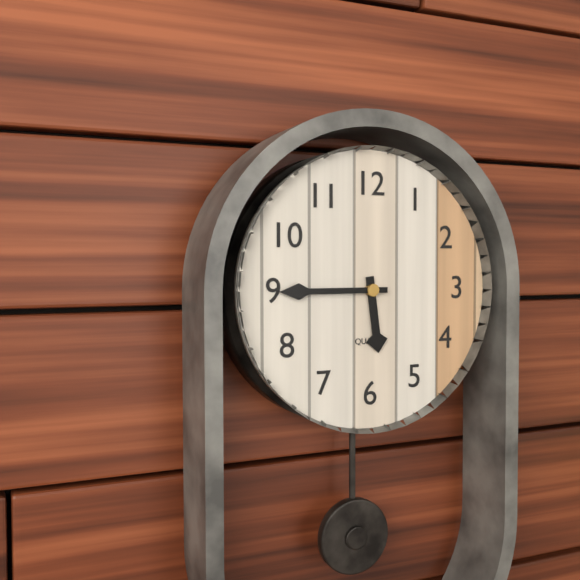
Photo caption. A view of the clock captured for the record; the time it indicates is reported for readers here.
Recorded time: 5:45
